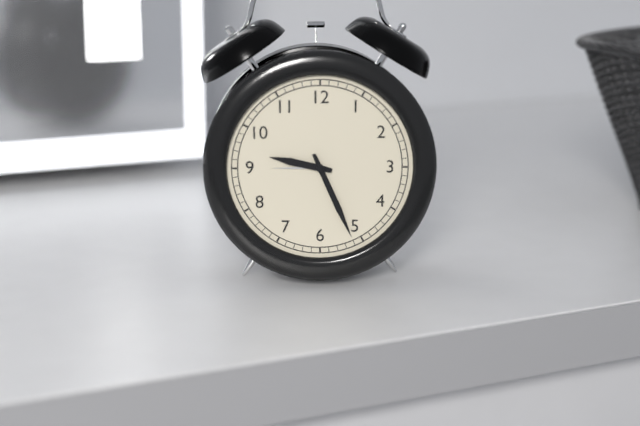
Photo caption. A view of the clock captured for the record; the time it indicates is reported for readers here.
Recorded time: 9:26
